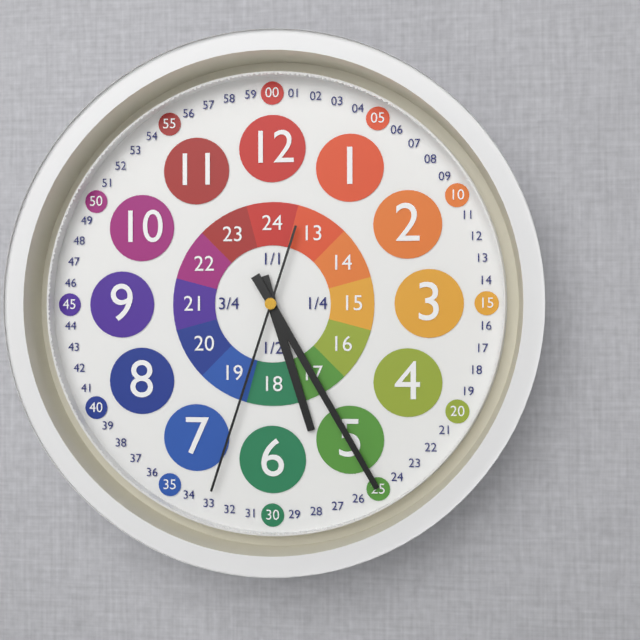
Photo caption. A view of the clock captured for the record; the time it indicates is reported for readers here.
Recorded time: 5:25:33
